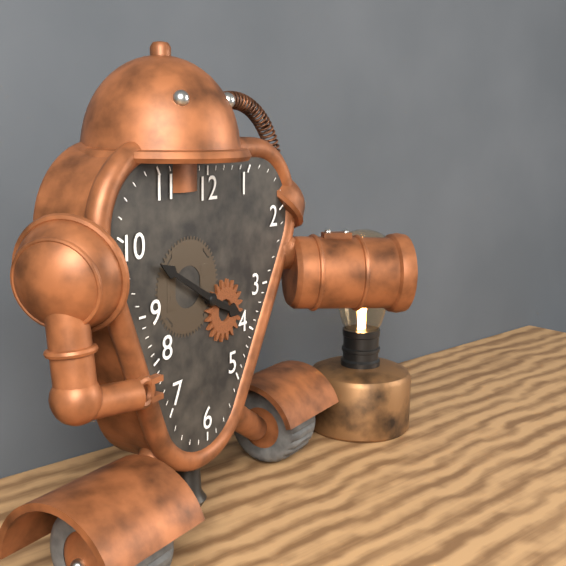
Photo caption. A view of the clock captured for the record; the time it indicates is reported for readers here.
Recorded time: 3:50
